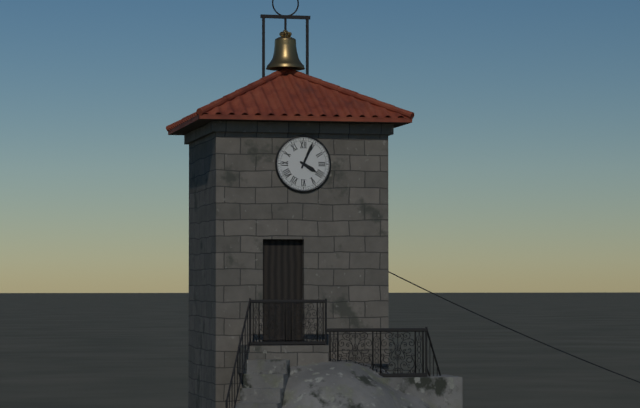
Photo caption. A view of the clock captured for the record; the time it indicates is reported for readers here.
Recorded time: 4:04
